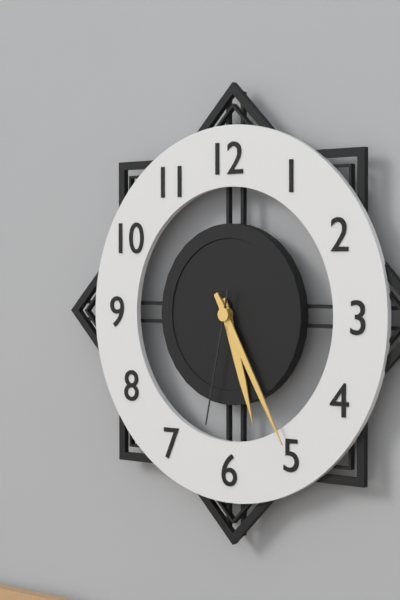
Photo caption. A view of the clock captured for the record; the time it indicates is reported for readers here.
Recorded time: 5:25:32
